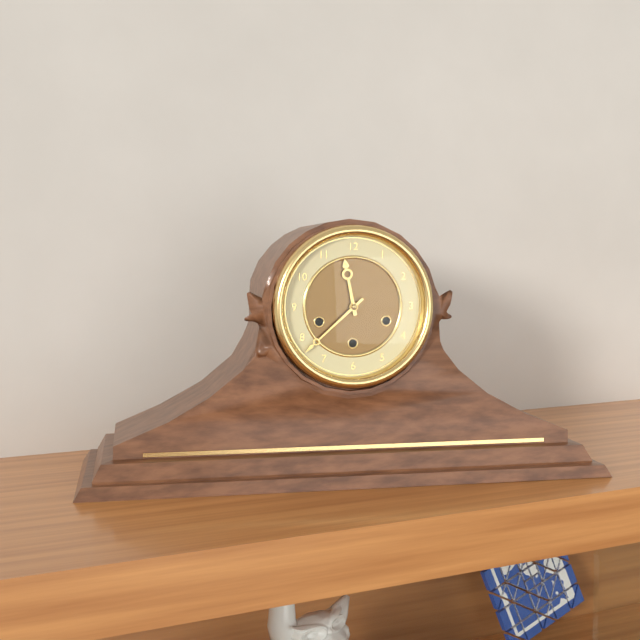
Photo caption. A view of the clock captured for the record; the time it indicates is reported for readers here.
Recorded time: 11:38
